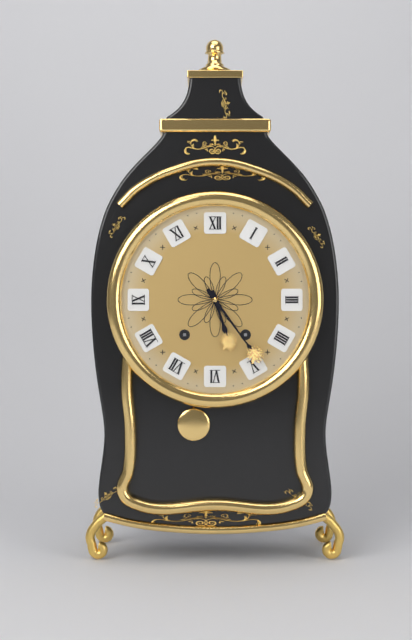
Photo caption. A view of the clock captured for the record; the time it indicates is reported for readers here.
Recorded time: 5:24
